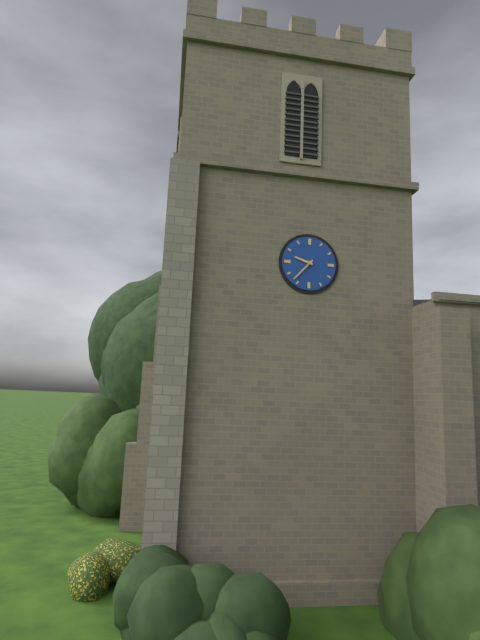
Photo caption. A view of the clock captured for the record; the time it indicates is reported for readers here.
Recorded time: 9:37
